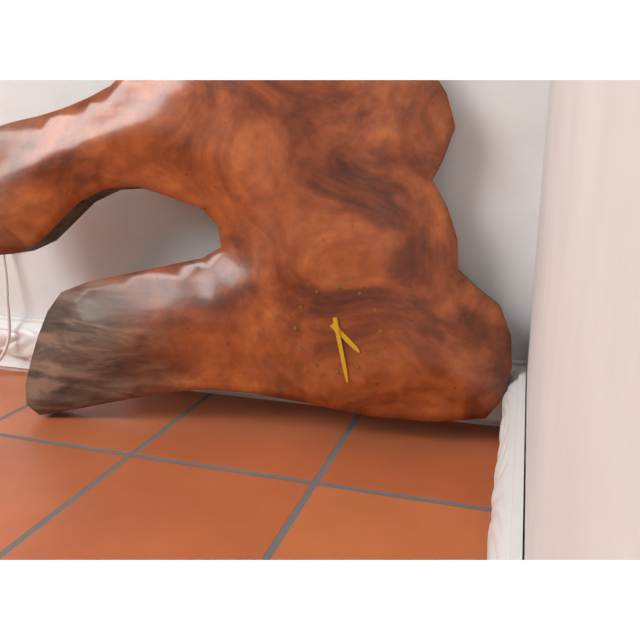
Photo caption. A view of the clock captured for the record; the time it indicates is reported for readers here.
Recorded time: 4:28
